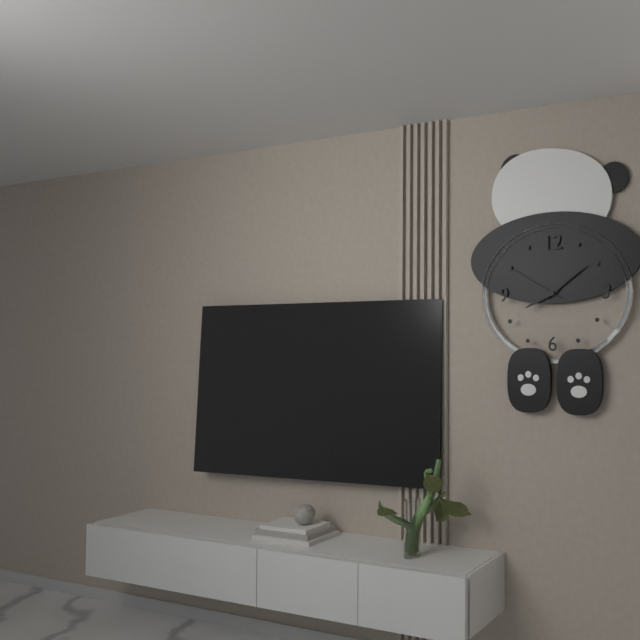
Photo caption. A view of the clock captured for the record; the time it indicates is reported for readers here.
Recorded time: 8:09:50
